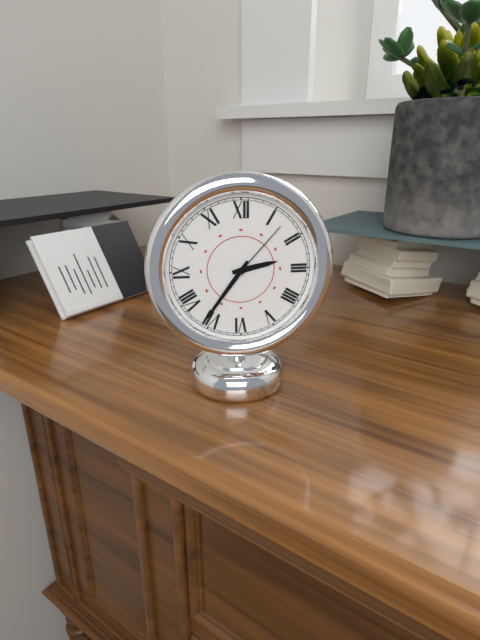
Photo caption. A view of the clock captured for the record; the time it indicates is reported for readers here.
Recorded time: 2:36:07
